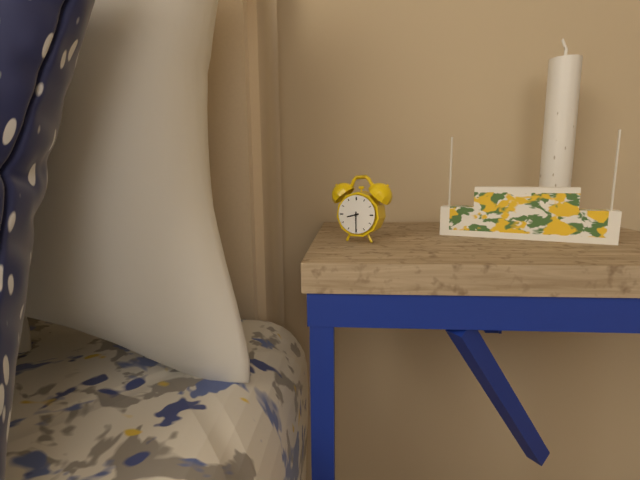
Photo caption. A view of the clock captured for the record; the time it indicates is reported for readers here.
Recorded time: 8:30
